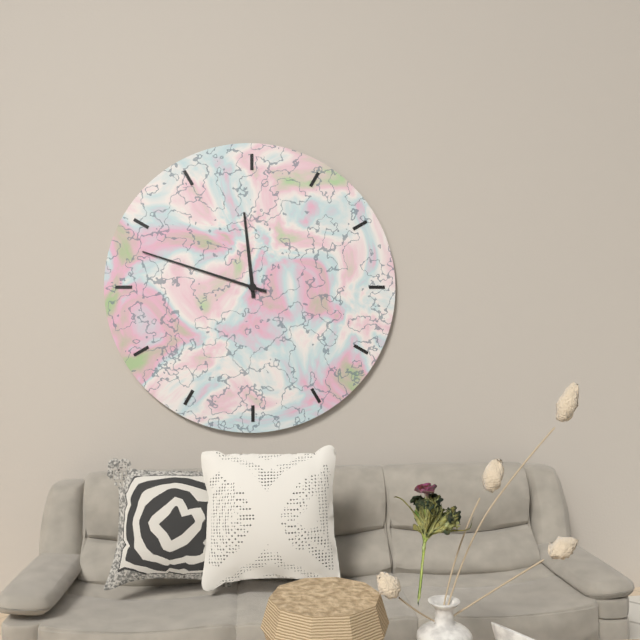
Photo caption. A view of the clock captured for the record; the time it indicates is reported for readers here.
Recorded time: 11:48
